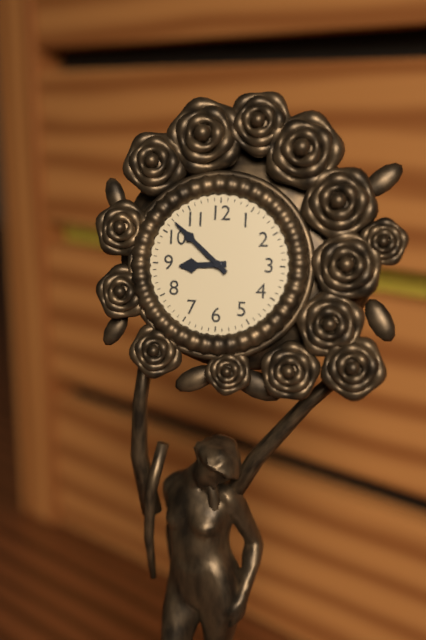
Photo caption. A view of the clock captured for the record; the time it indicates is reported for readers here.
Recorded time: 8:52
